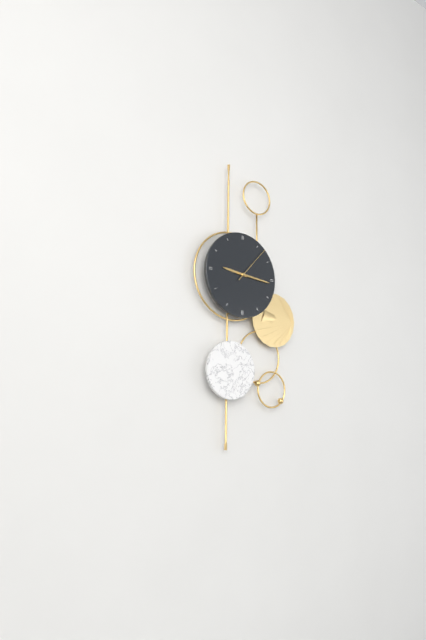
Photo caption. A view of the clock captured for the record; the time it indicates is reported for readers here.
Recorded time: 9:16
